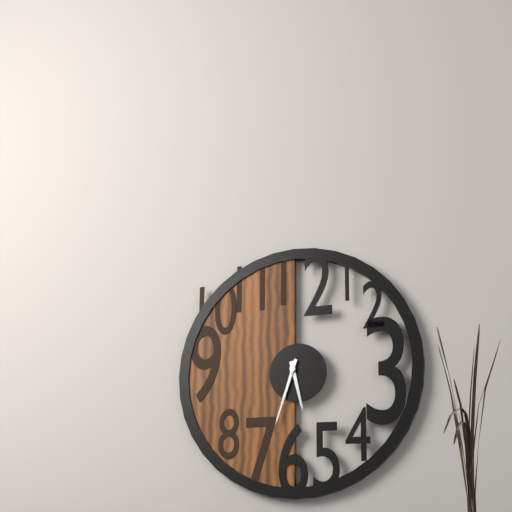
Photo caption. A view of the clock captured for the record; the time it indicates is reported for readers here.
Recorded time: 5:33
